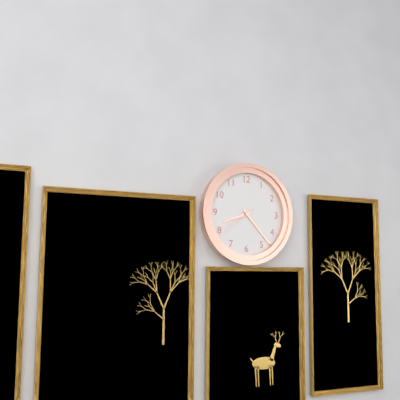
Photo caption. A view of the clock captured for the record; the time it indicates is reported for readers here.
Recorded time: 8:23
